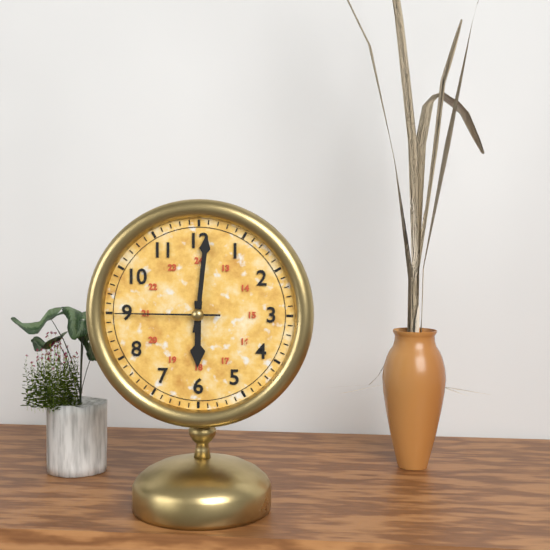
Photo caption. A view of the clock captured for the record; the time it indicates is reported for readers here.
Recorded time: 6:01:45
